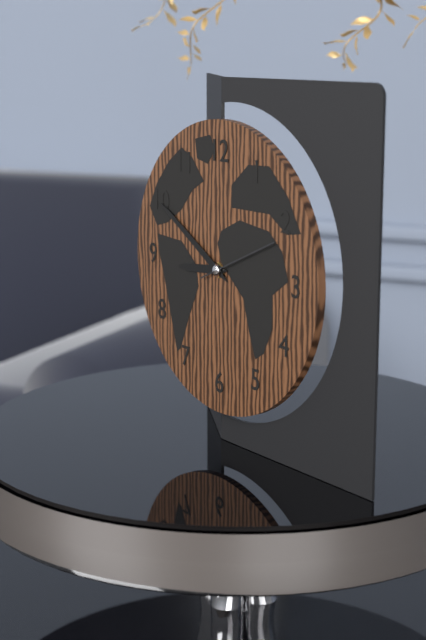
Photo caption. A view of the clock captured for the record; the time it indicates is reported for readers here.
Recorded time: 8:50:11
